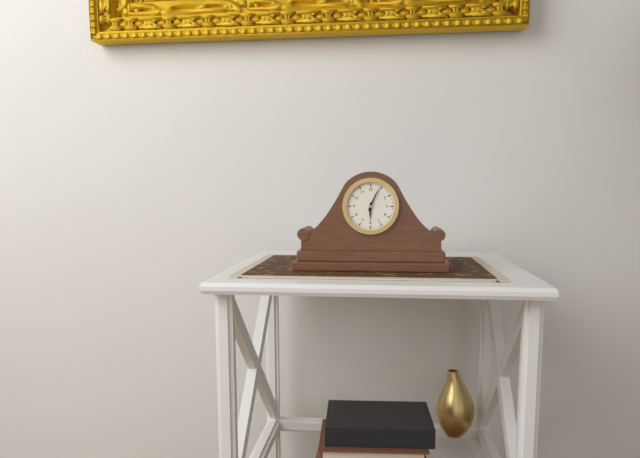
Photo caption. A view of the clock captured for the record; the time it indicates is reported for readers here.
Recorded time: 6:04
